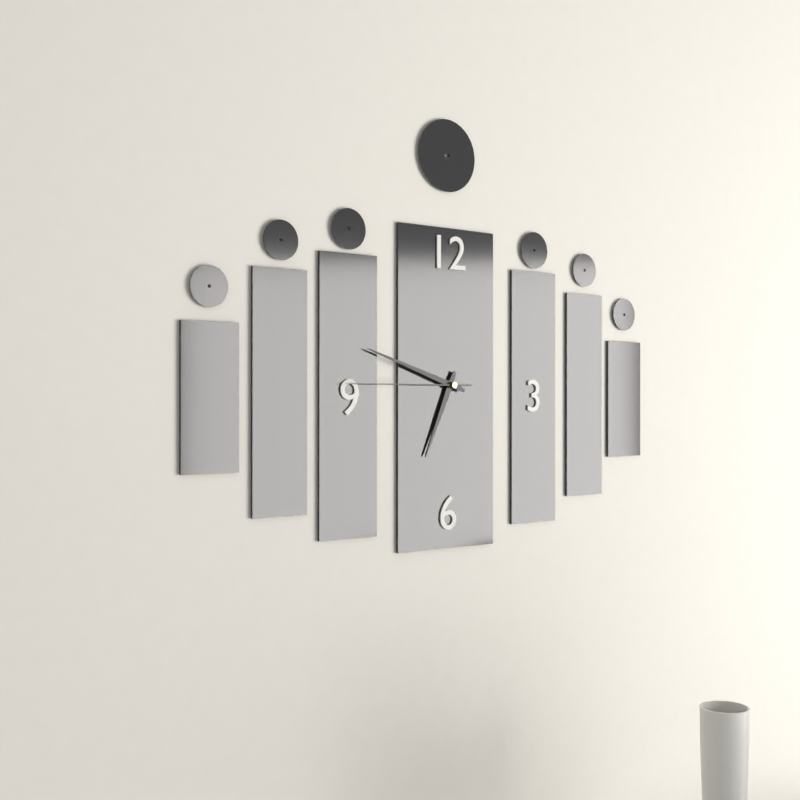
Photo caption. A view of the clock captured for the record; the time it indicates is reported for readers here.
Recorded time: 6:48:45
